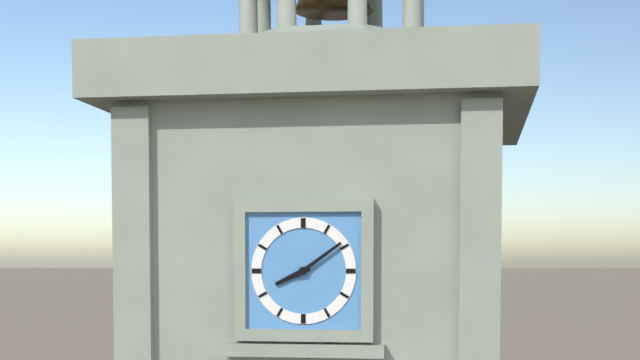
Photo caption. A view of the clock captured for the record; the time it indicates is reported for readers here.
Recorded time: 8:09
